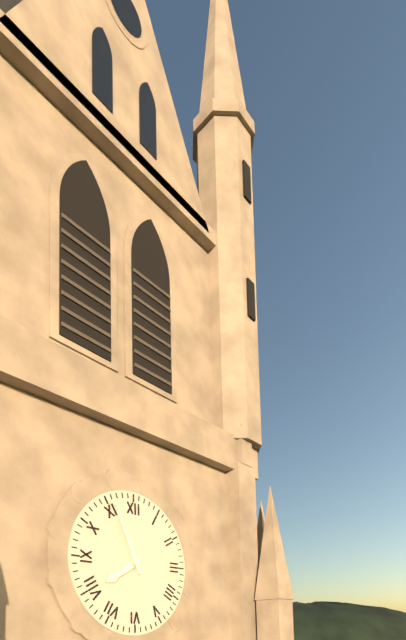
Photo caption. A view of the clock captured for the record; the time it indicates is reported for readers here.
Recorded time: 7:56
